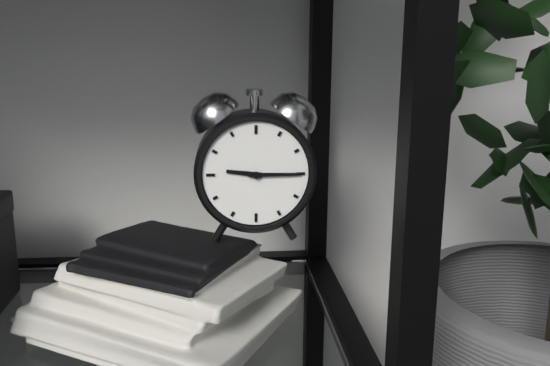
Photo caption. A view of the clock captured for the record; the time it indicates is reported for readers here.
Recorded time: 9:15
